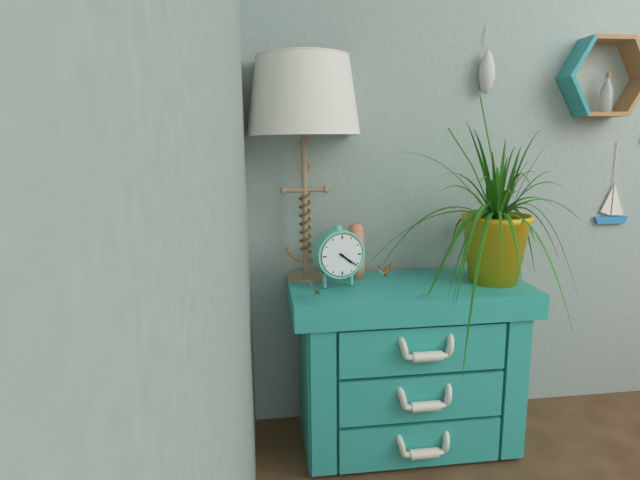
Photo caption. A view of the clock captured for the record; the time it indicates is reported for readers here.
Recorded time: 4:21
